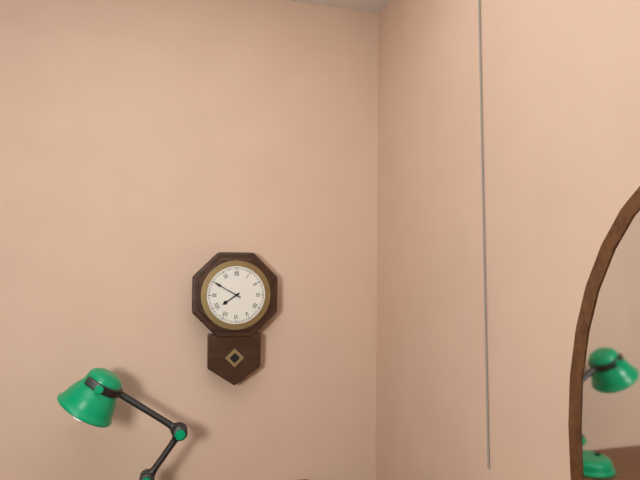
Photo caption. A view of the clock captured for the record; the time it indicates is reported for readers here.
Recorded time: 7:50
